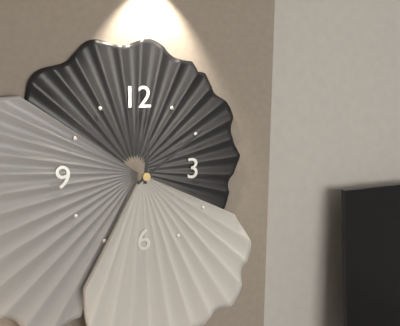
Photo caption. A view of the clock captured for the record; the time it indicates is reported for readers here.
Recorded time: 12:09
